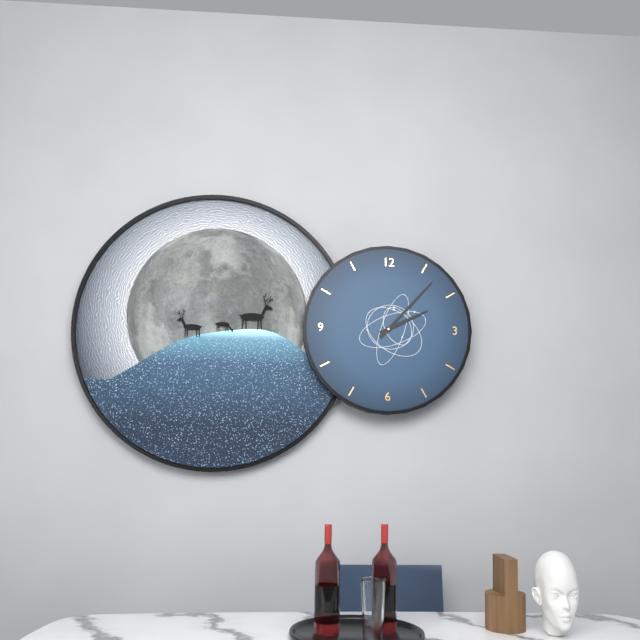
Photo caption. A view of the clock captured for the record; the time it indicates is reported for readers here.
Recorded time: 2:07
